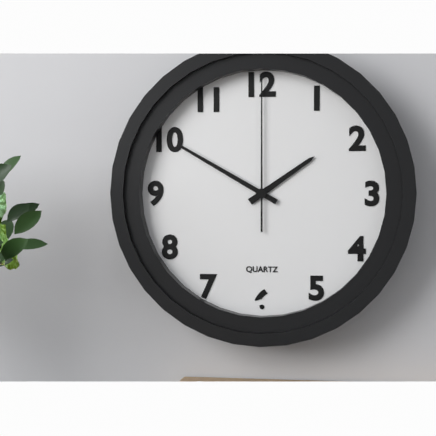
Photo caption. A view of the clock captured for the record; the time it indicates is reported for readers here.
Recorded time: 1:50:00
